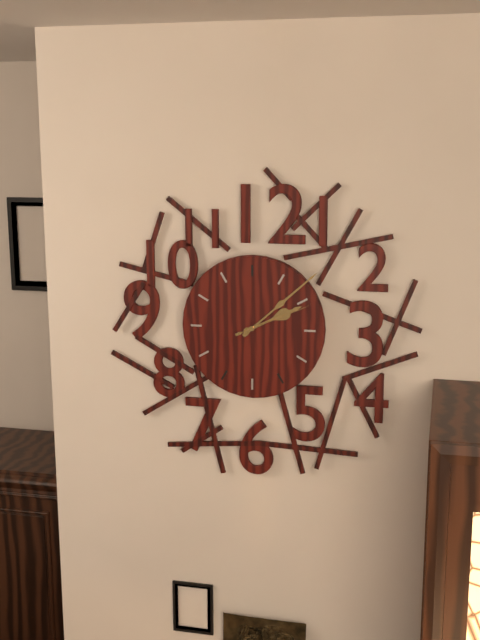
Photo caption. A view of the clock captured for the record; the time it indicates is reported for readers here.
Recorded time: 2:08:11
